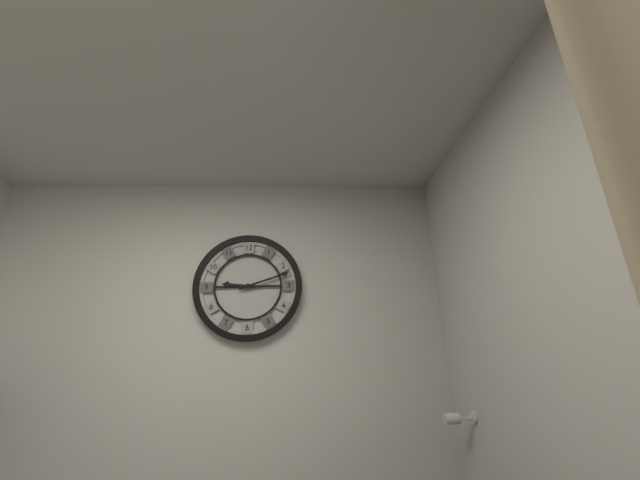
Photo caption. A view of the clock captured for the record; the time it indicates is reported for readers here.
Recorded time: 9:12
